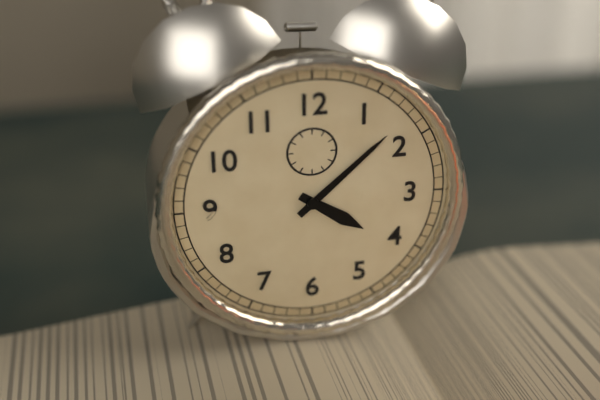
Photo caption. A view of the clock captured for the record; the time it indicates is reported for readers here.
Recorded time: 4:08
